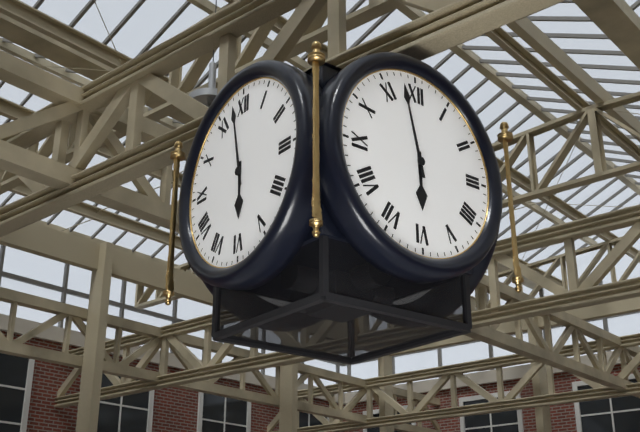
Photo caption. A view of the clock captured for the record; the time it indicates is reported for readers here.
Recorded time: 5:58
